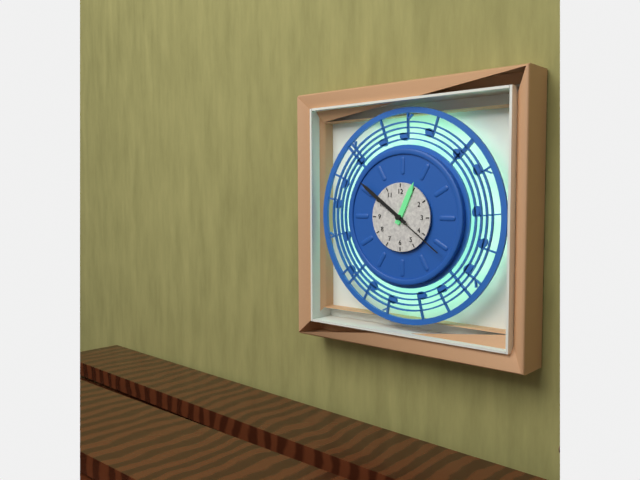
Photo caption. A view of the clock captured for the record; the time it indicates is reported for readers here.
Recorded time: 12:51:21
